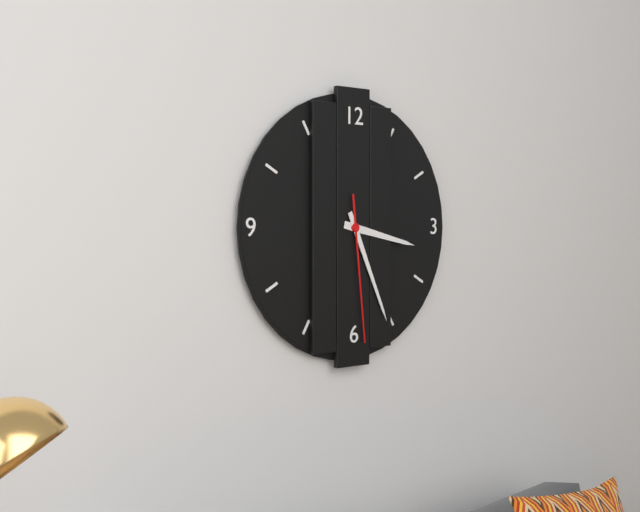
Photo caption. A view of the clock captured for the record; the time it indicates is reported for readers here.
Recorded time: 3:26:29
